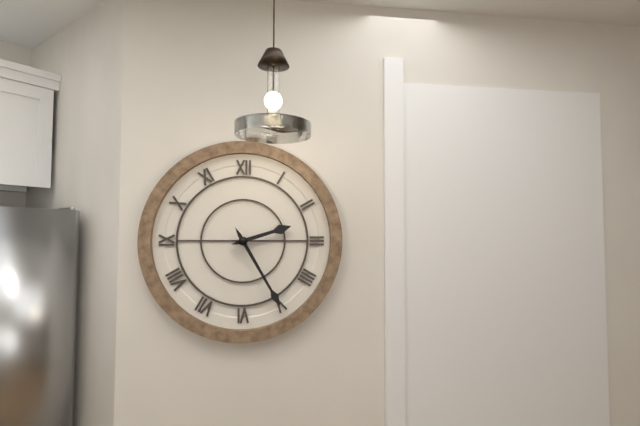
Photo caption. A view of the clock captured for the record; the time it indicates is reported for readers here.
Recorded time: 2:25
